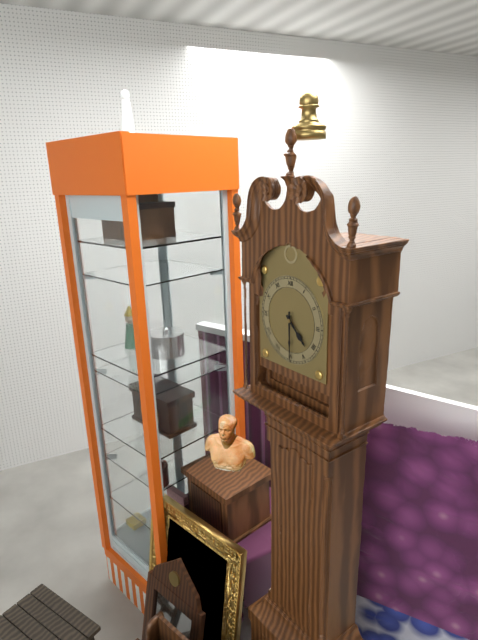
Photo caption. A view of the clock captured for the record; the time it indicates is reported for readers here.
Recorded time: 4:30
